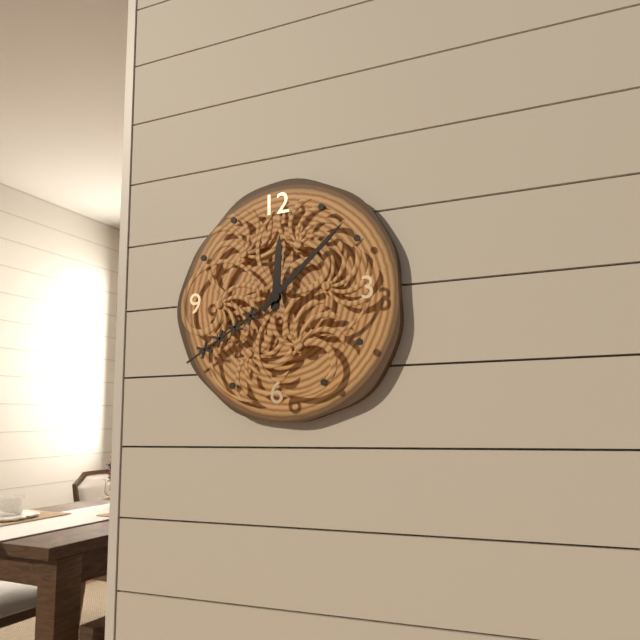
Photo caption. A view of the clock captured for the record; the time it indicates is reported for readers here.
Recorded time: 12:08
